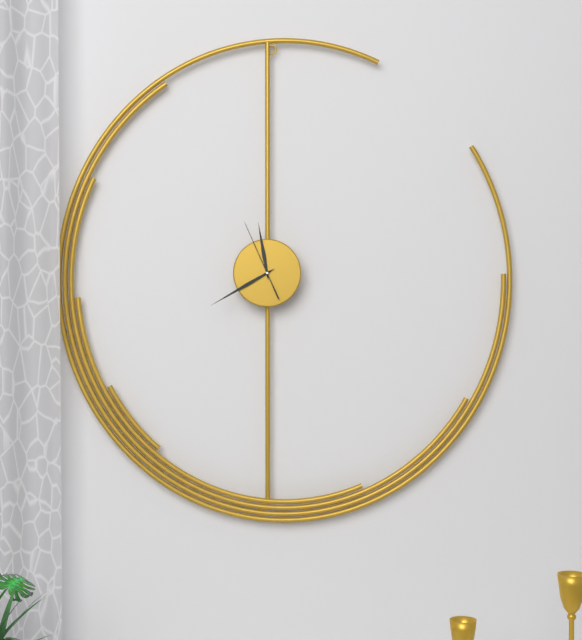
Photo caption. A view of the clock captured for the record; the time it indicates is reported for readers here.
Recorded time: 11:40:56
